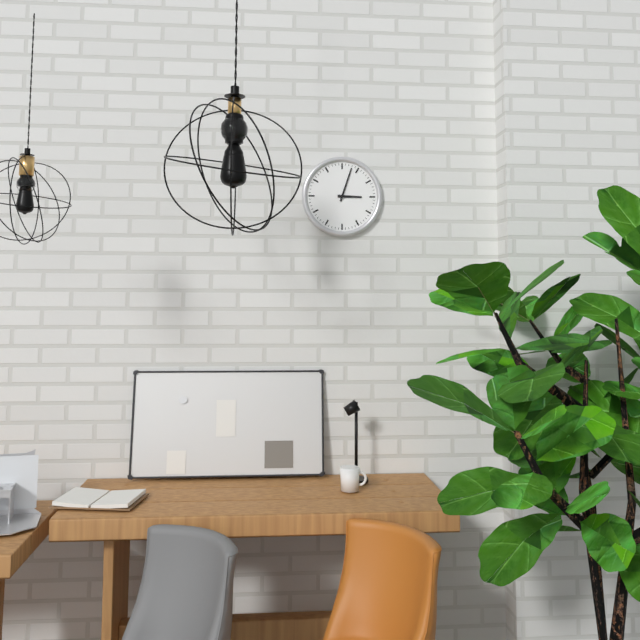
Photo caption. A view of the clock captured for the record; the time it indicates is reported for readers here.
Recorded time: 3:03
